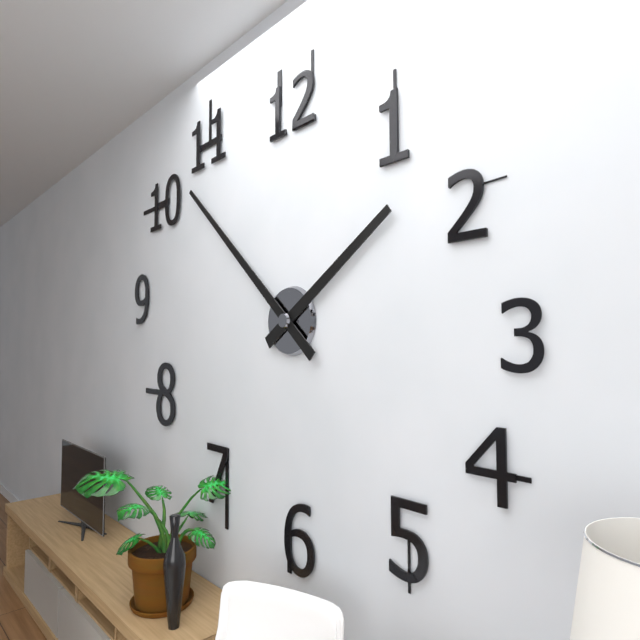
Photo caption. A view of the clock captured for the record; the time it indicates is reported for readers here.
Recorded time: 1:52
